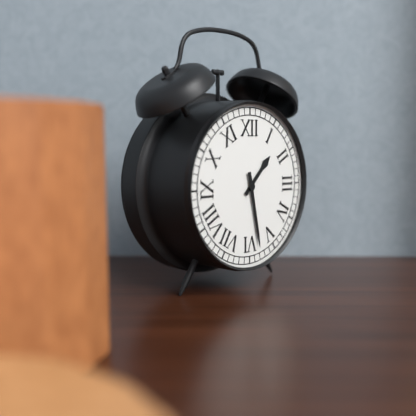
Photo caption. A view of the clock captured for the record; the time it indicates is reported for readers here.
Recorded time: 1:28
